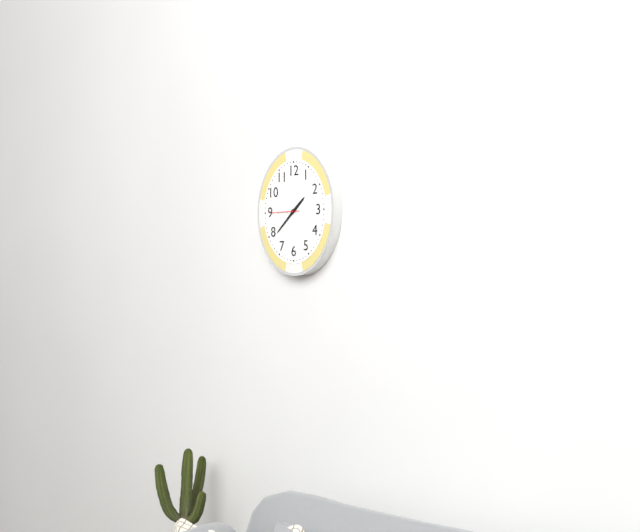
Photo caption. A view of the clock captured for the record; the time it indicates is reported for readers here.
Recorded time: 1:38
